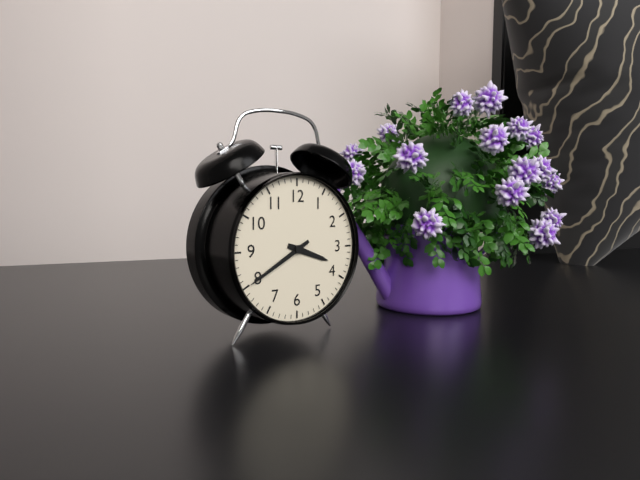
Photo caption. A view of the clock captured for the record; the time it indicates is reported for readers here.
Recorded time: 3:40
